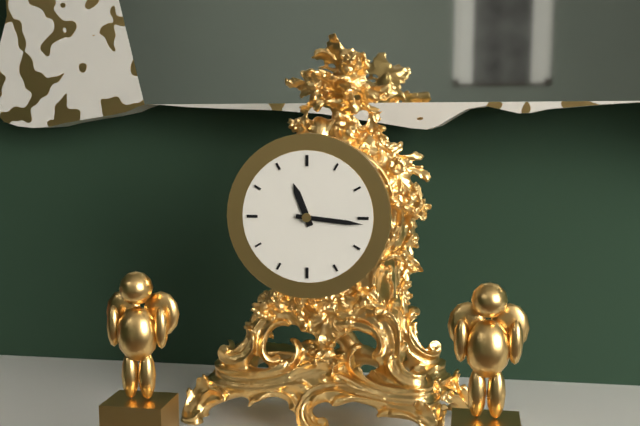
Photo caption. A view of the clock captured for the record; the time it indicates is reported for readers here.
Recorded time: 11:16
